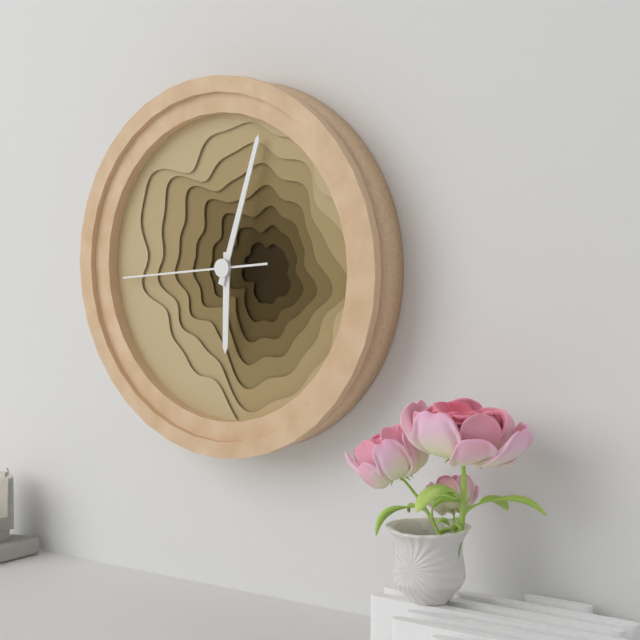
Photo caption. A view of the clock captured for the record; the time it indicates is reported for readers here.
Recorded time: 6:03:44
